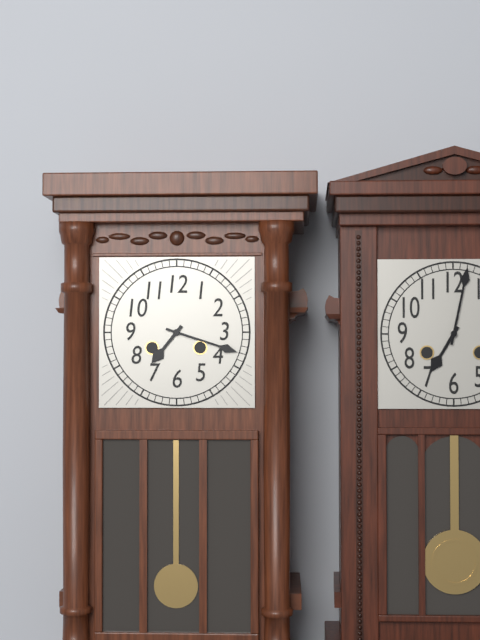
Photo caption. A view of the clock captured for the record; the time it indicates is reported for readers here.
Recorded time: 7:18
